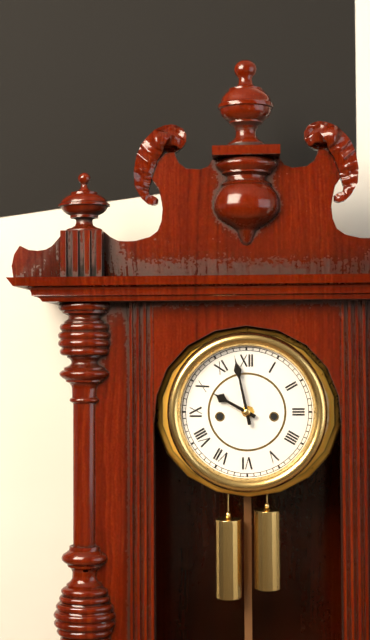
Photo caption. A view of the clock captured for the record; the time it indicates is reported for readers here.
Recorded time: 9:58
